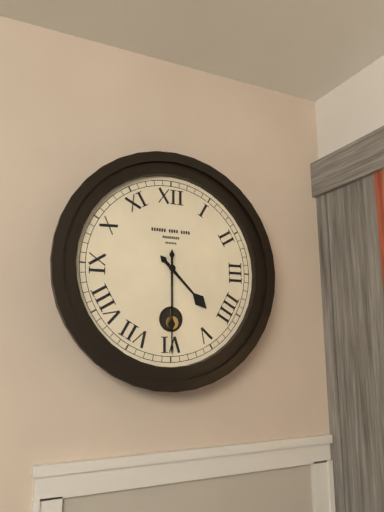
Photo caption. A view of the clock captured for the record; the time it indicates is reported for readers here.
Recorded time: 4:30
